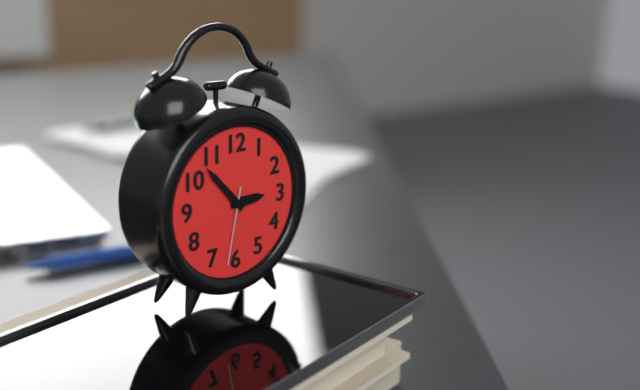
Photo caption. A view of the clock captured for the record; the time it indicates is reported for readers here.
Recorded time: 2:53:32
